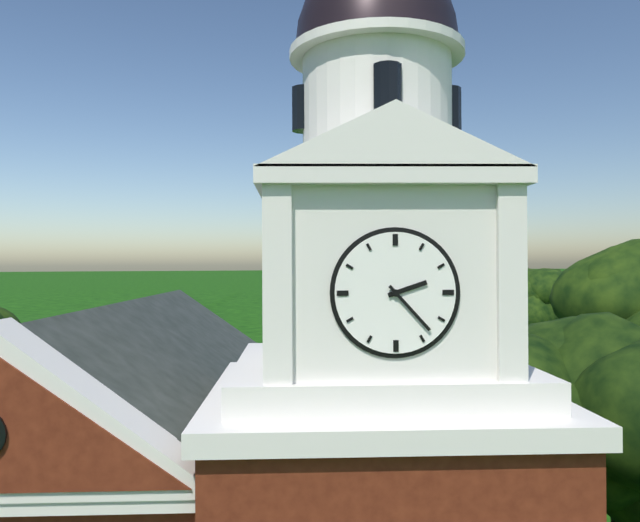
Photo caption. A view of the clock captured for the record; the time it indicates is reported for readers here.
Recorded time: 2:23
